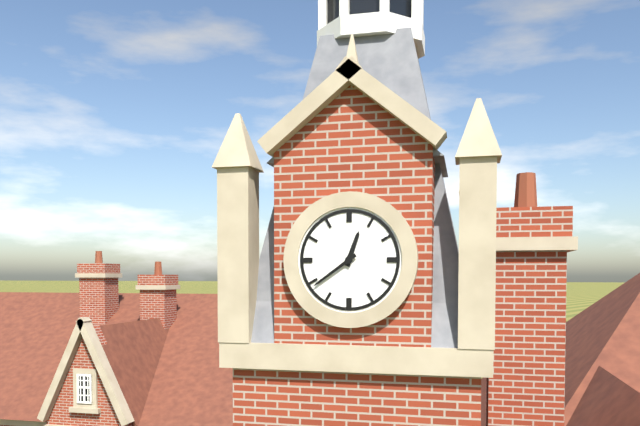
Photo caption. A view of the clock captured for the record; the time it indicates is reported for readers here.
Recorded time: 12:39
